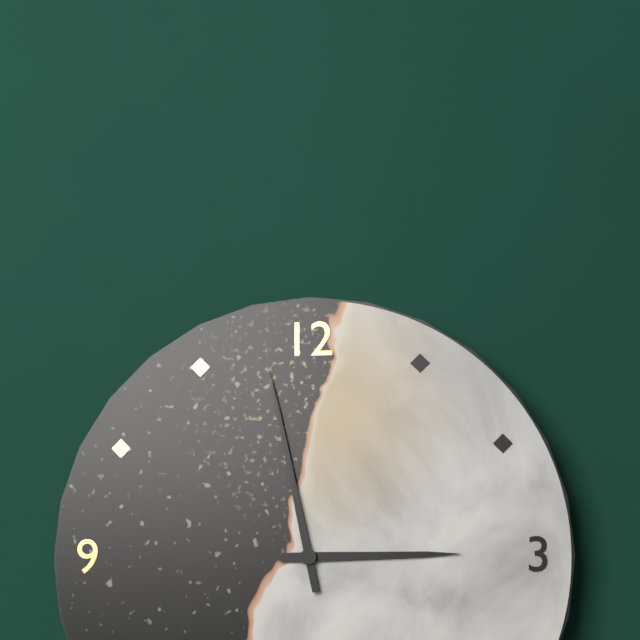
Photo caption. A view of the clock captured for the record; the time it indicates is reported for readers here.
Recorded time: 2:58
